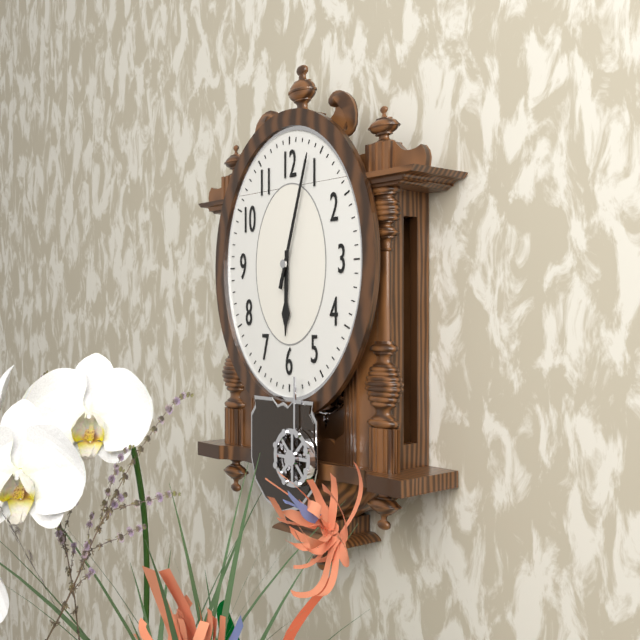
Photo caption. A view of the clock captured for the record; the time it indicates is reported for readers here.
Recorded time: 6:03
